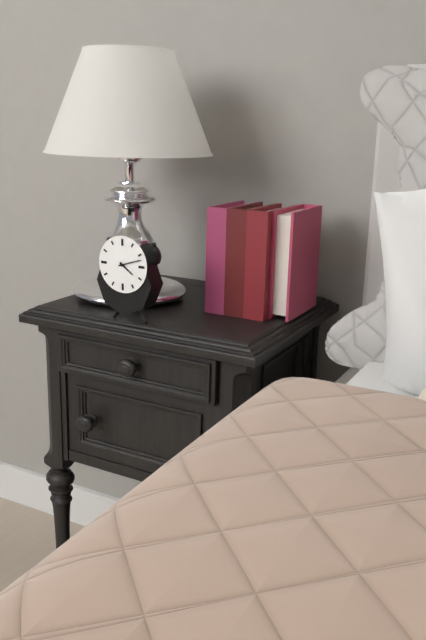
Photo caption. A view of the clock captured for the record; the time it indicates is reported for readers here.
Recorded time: 4:12
